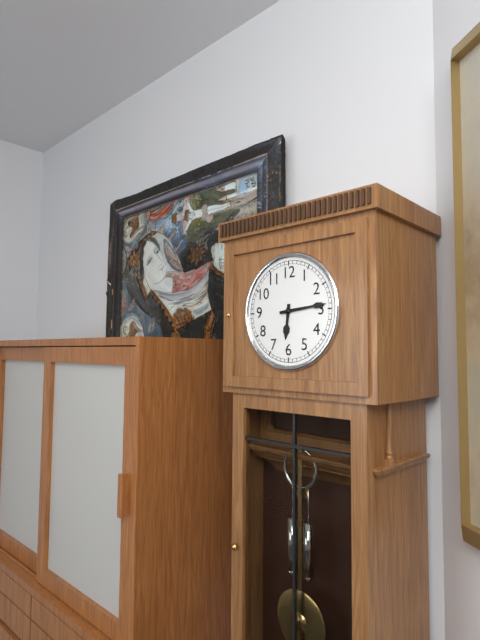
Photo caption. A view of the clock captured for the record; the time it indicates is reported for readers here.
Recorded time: 6:14
